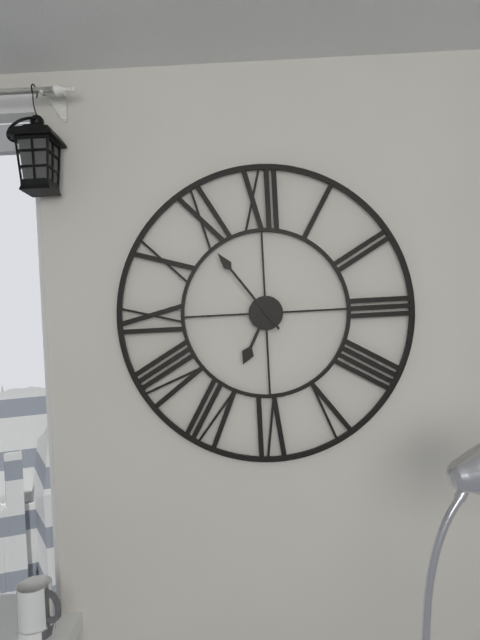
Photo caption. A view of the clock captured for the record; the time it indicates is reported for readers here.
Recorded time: 6:54
